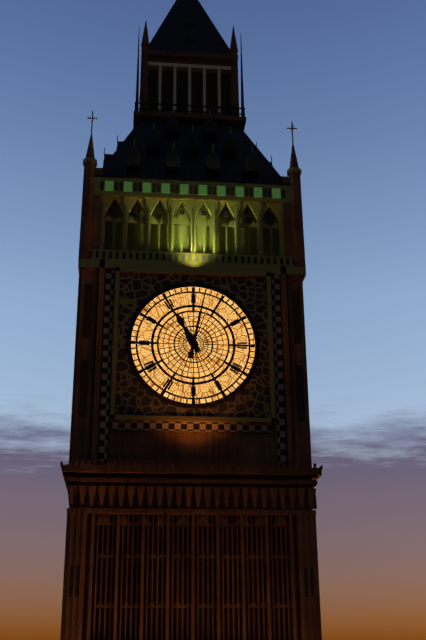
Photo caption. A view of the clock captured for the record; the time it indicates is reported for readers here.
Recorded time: 11:02
